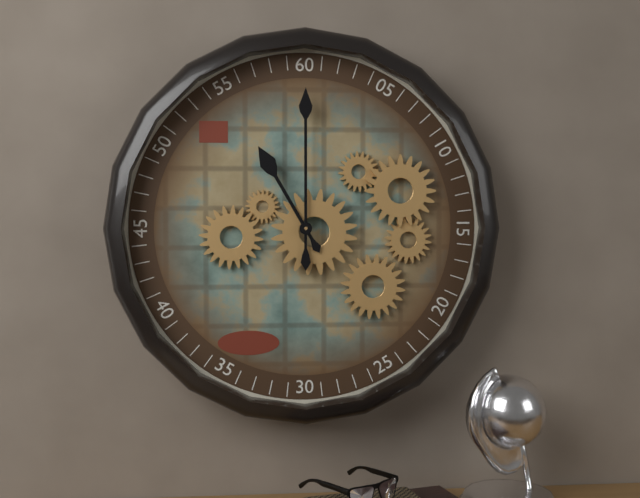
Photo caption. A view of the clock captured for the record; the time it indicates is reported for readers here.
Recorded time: 11:00
